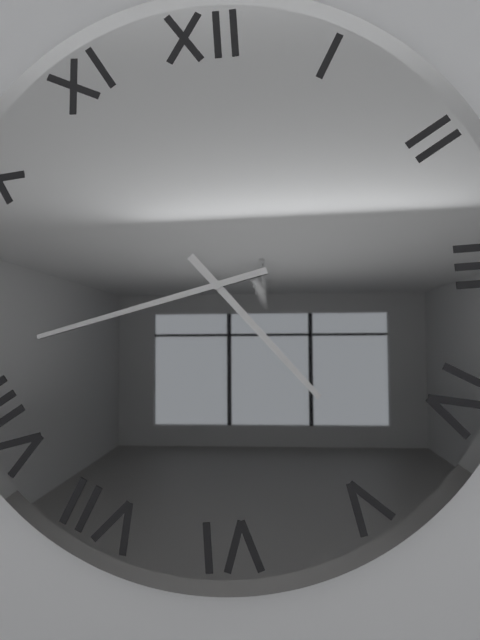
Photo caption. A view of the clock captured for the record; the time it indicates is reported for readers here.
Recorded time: 4:43
